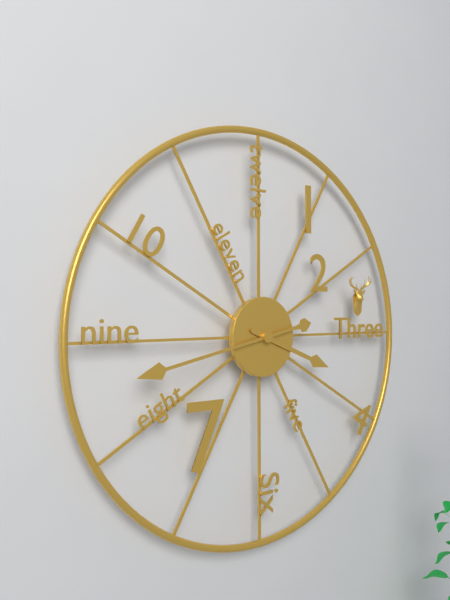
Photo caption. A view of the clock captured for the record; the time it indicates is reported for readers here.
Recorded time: 3:43
